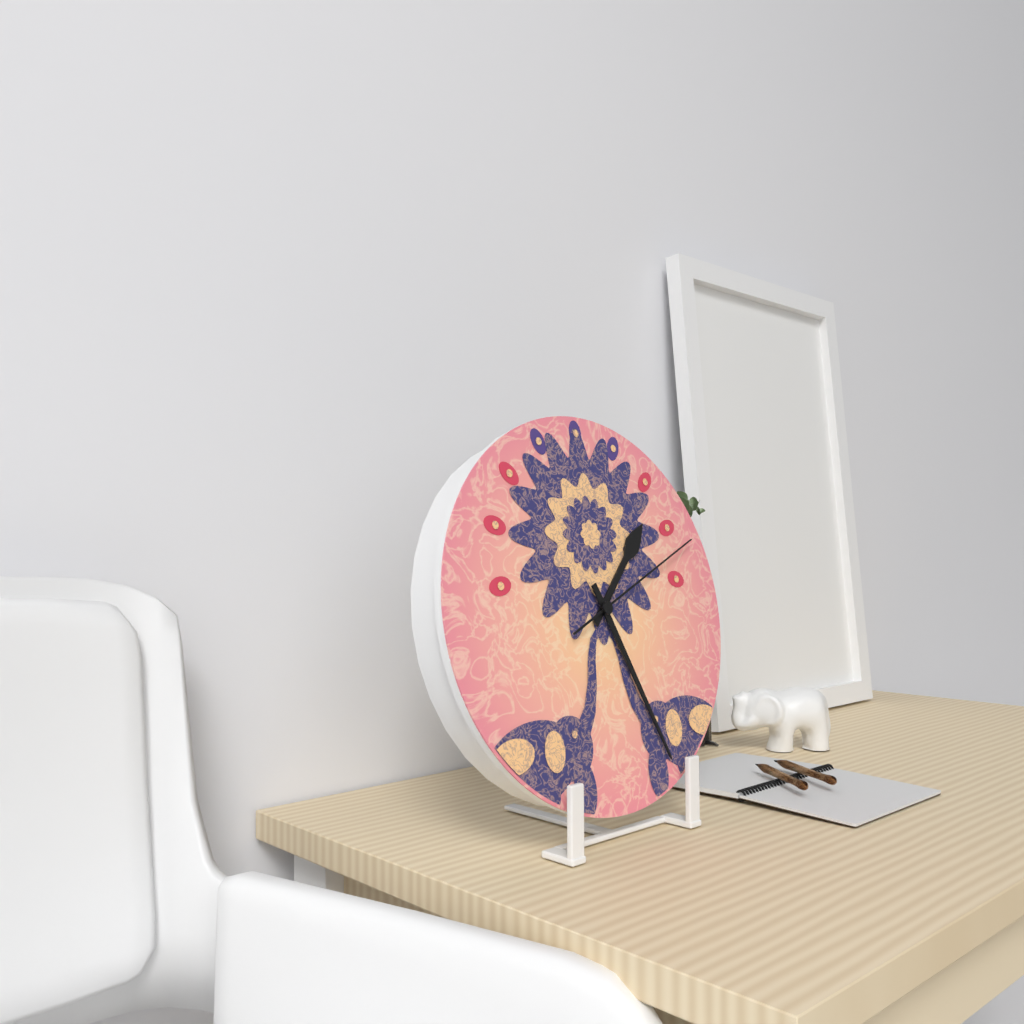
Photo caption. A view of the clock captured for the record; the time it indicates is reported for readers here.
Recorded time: 1:26:11
